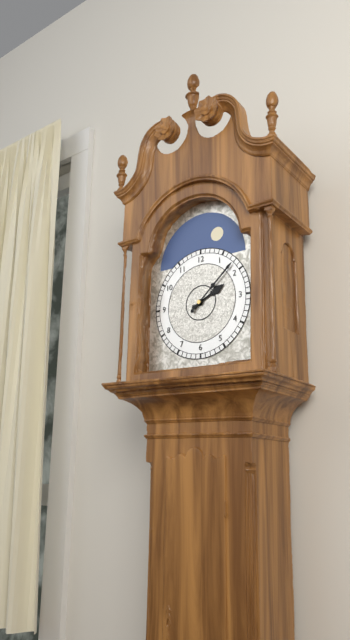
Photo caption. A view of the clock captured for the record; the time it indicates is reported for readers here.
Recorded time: 2:08
